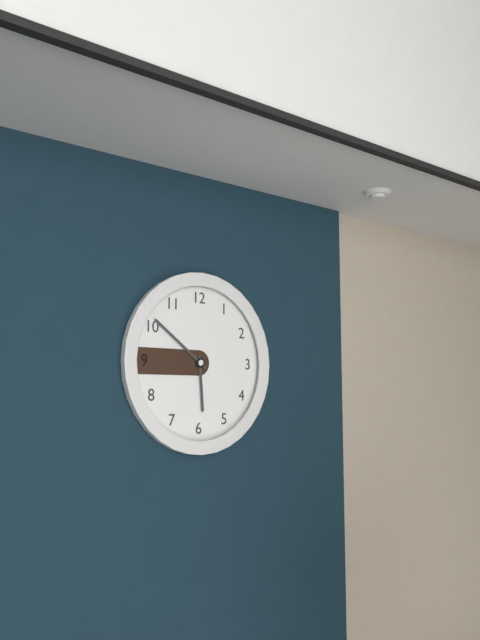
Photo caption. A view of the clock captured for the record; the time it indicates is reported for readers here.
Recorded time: 5:51
